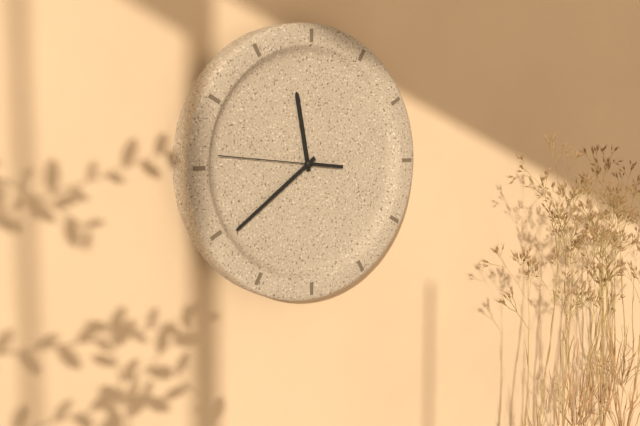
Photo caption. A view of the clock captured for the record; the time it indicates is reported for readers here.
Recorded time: 11:39:46
